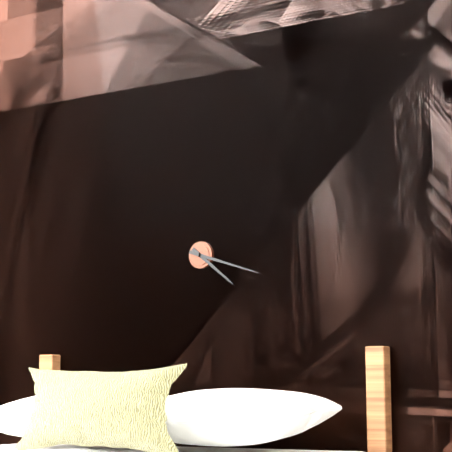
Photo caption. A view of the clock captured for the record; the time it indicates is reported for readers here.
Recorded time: 4:18
